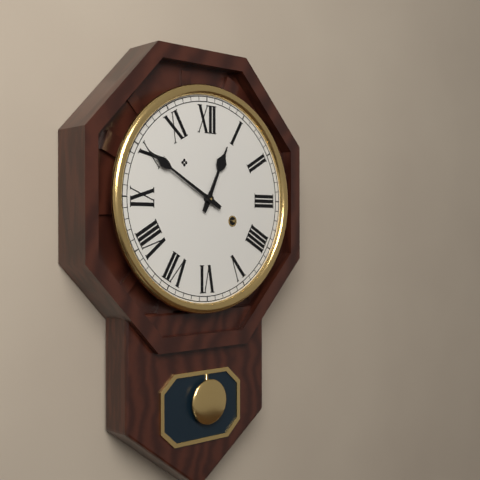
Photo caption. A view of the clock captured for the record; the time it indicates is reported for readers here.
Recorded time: 12:50
